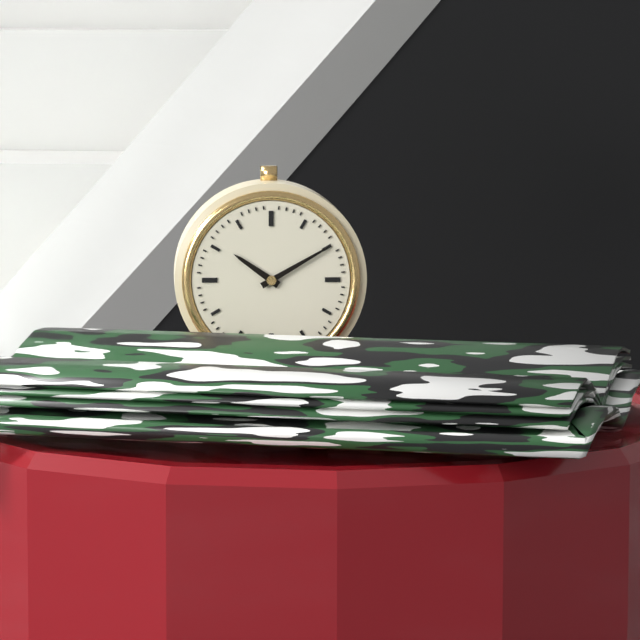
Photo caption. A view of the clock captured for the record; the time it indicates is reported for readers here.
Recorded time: 10:10
